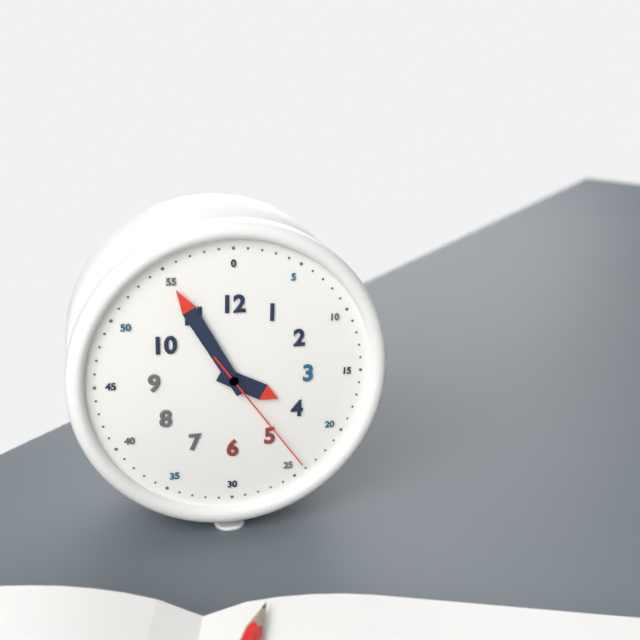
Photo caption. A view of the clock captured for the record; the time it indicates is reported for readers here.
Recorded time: 3:55:24
